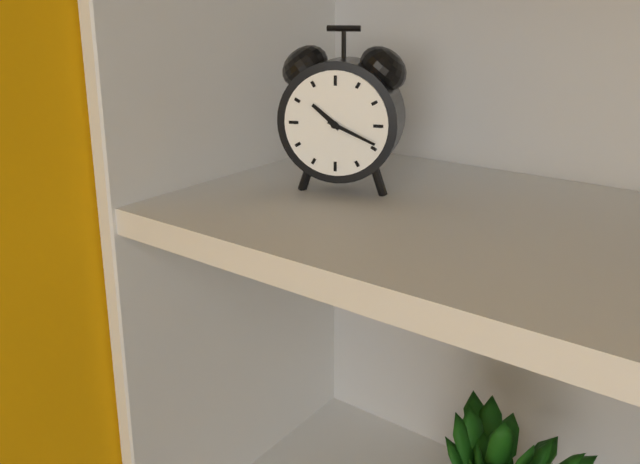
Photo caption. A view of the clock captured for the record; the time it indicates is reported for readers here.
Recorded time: 10:19
